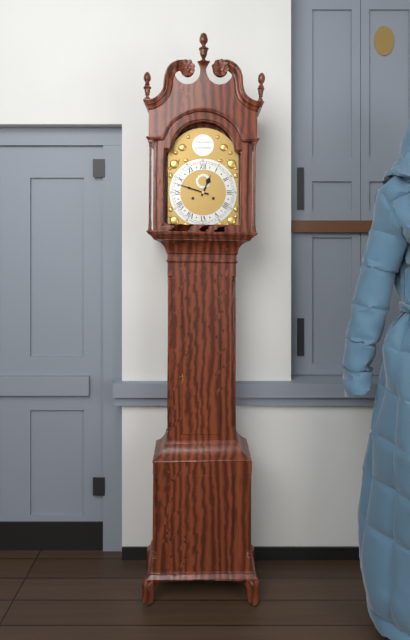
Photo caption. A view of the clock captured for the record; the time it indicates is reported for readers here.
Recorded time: 12:48
